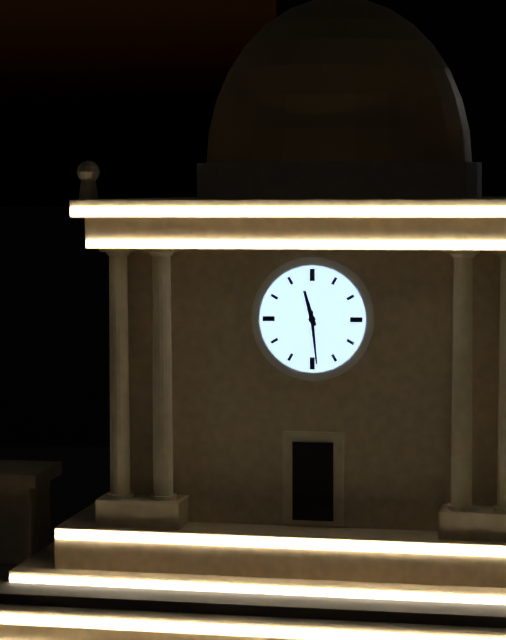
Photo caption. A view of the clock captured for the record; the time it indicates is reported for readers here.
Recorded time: 11:29
